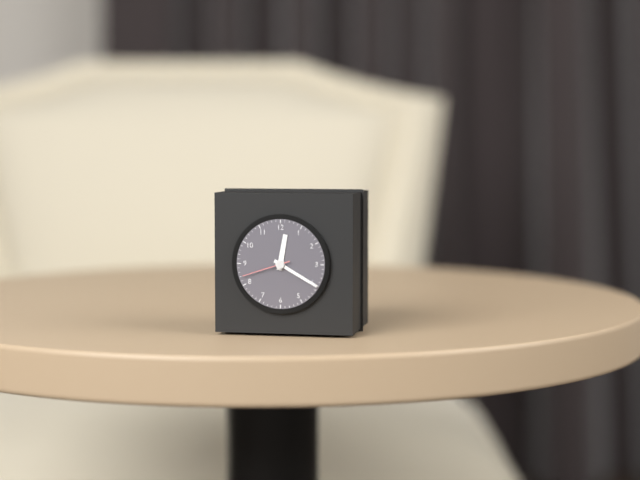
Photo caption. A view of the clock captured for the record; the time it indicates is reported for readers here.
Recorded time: 12:20:42
